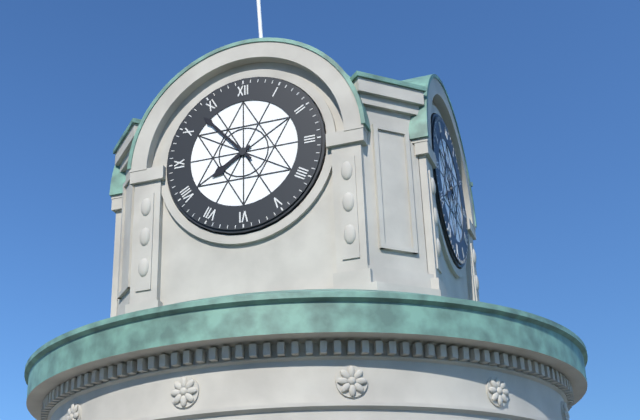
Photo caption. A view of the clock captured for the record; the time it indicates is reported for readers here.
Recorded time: 7:53
